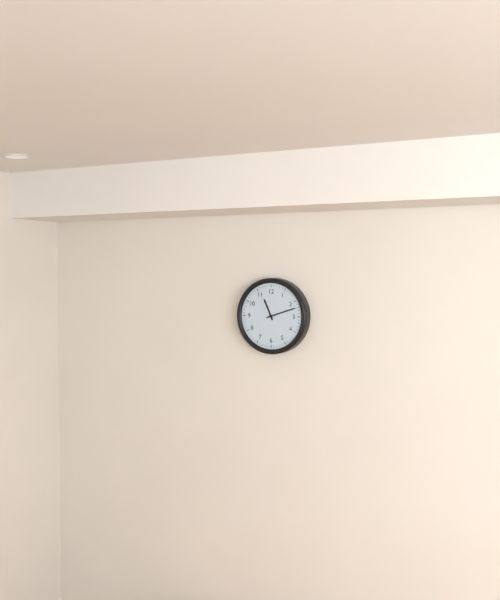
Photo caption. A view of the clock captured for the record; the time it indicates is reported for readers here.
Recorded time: 11:12
